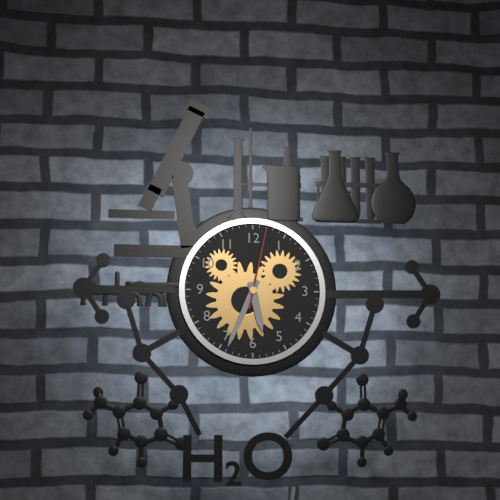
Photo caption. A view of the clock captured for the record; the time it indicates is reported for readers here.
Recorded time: 5:34:02
